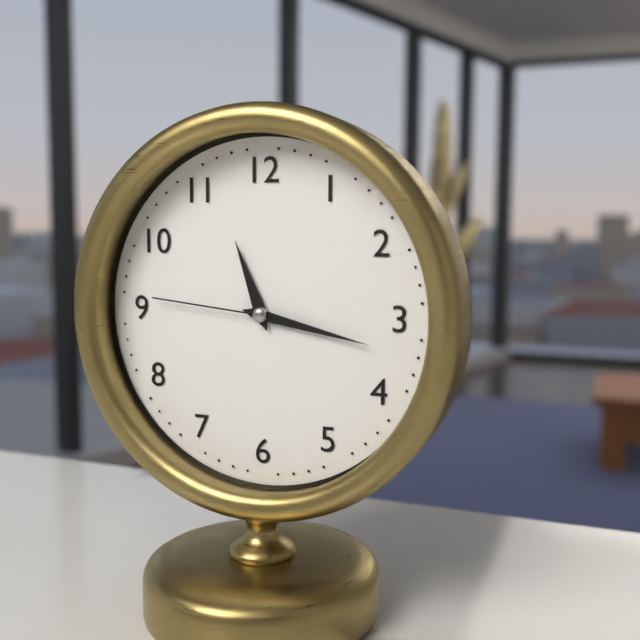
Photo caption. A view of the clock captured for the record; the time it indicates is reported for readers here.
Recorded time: 11:17:46
